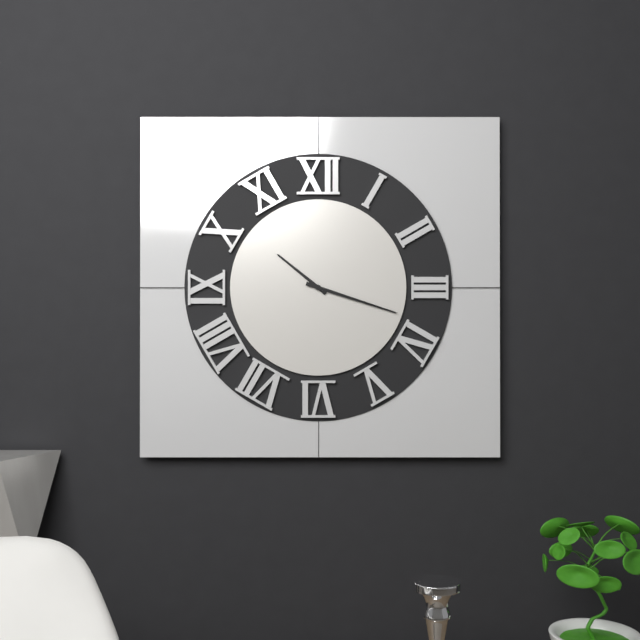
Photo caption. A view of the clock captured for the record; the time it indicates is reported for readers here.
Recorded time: 10:18
